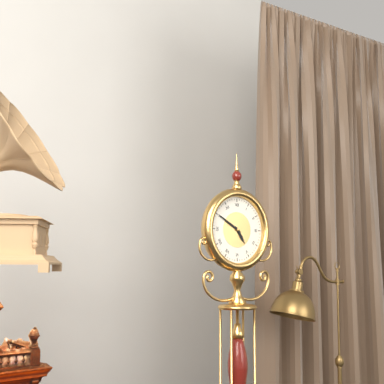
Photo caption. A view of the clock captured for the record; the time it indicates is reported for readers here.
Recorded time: 4:50
